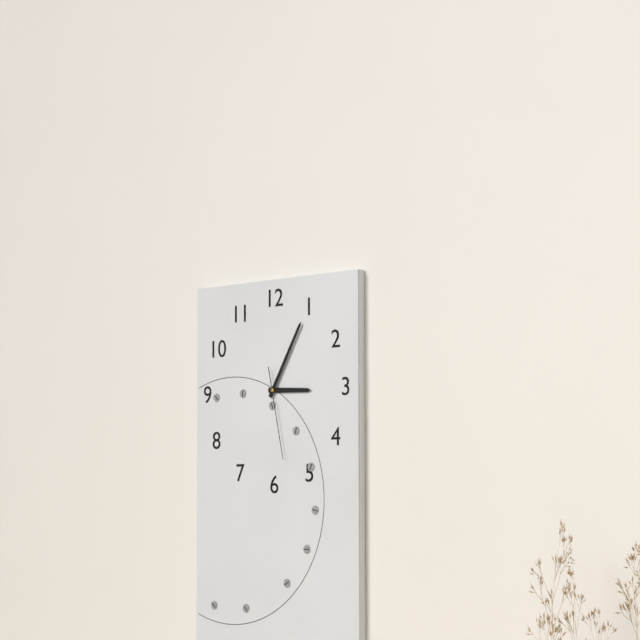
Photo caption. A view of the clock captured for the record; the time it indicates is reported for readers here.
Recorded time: 3:05:28
